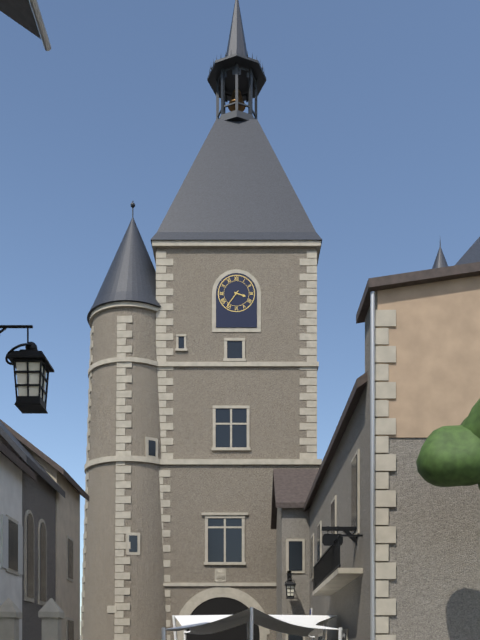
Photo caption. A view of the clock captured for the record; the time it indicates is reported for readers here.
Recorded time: 3:36
